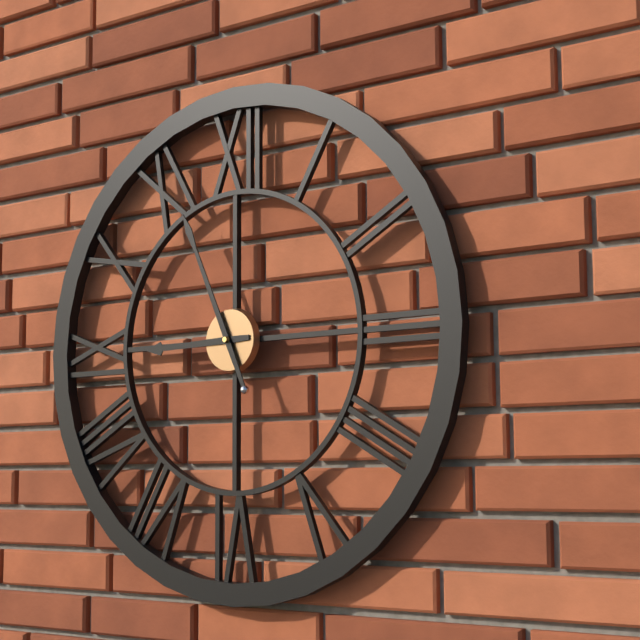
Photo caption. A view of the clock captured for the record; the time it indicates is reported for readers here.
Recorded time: 8:56
